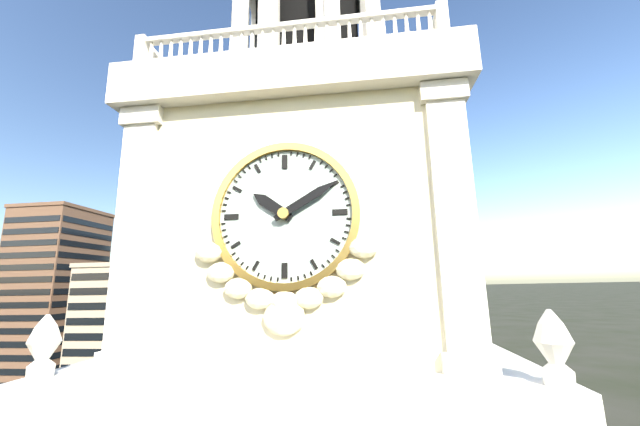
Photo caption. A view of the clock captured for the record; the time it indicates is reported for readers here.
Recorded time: 10:10
